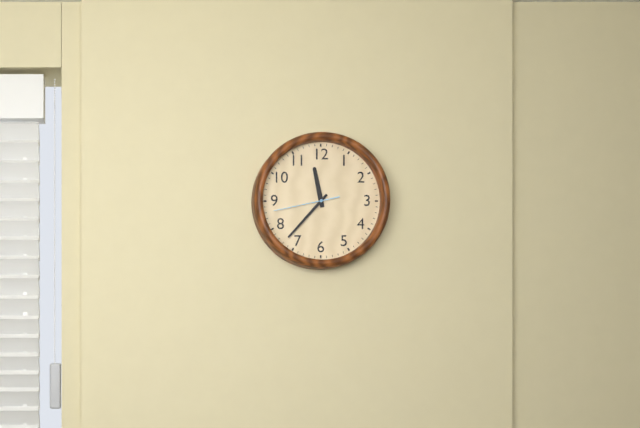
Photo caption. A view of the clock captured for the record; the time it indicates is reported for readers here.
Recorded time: 11:37:43
